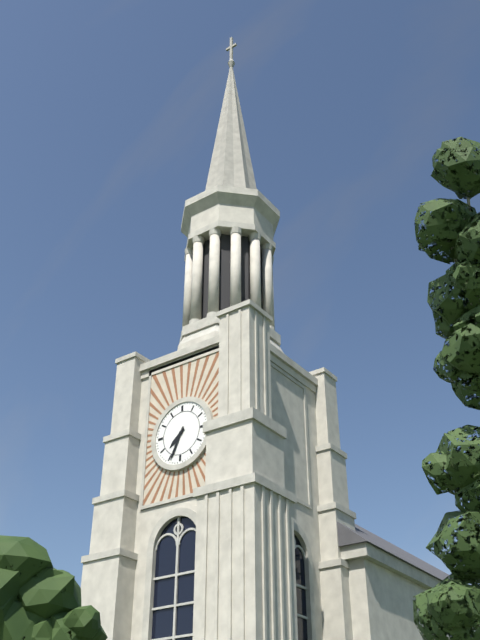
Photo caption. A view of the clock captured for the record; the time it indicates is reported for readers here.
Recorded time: 7:34
